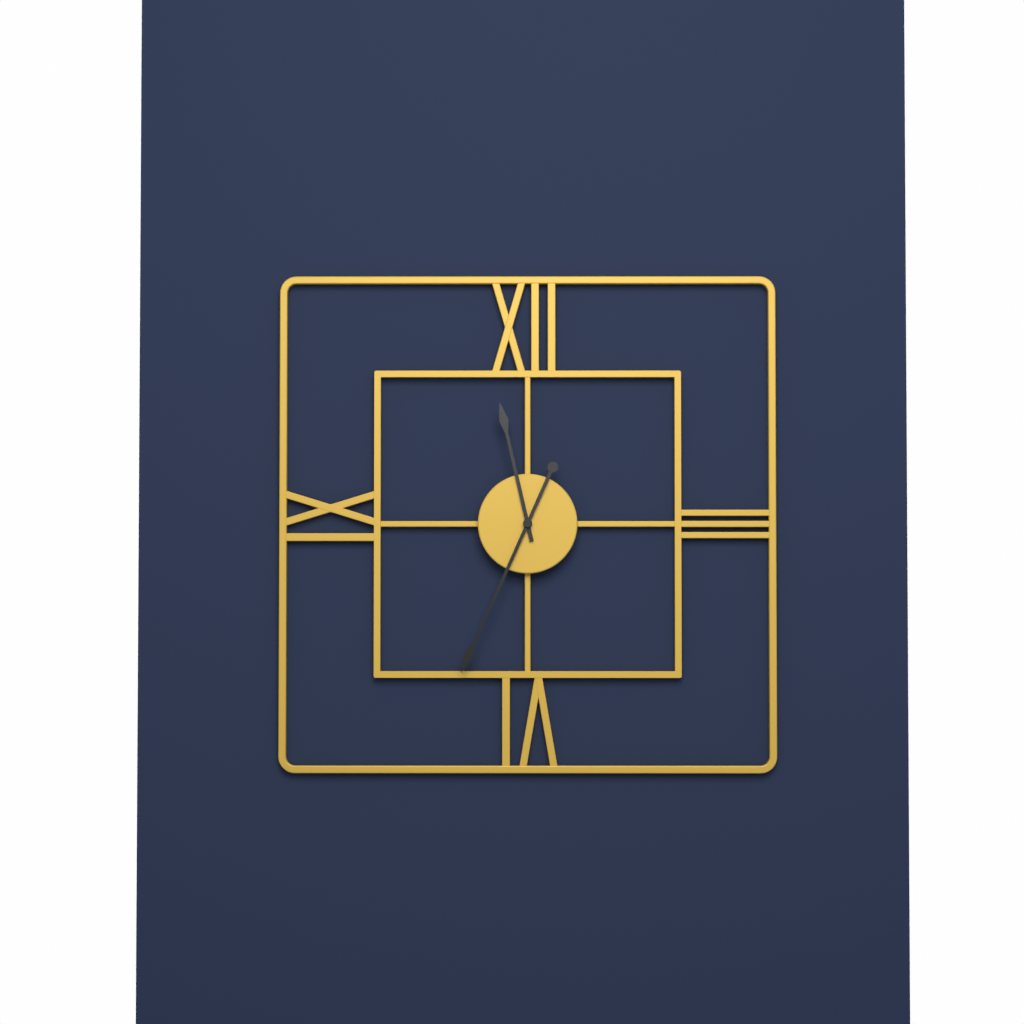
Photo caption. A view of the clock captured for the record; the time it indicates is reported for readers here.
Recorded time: 11:34
